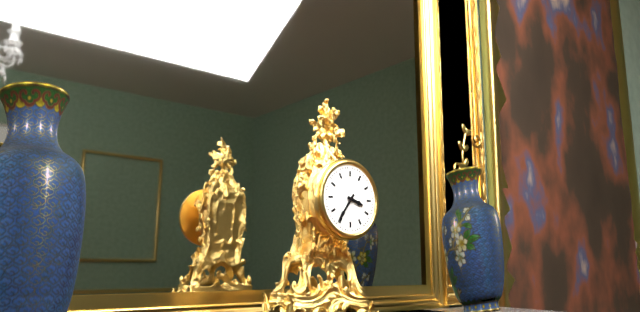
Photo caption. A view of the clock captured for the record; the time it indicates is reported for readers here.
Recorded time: 3:36
